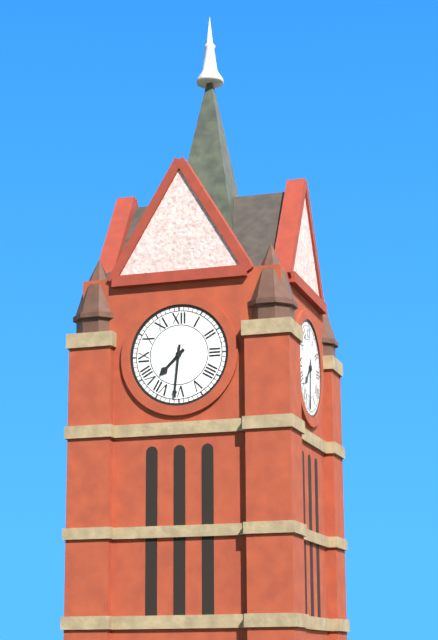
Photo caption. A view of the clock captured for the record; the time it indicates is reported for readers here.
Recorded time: 7:31
